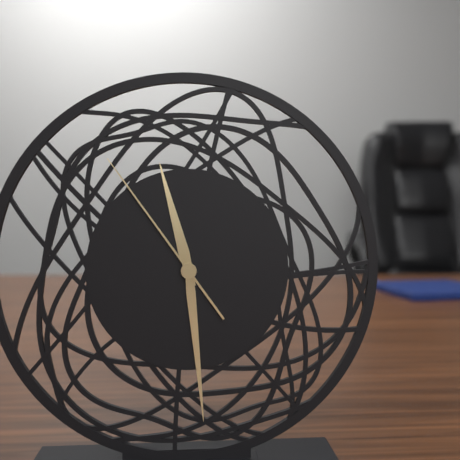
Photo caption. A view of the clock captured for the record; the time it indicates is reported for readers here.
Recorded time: 11:29:54
